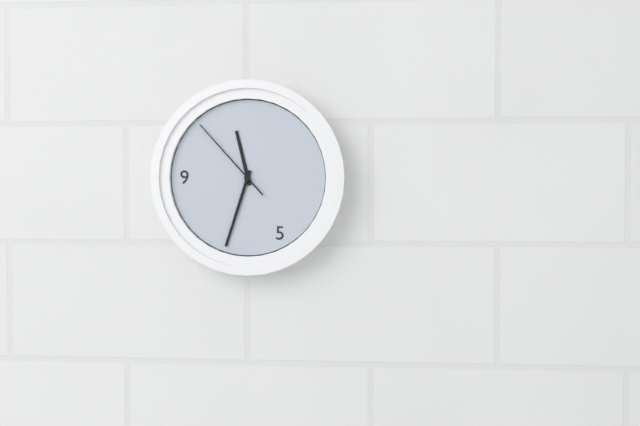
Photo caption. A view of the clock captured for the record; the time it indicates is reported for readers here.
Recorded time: 11:33:53
